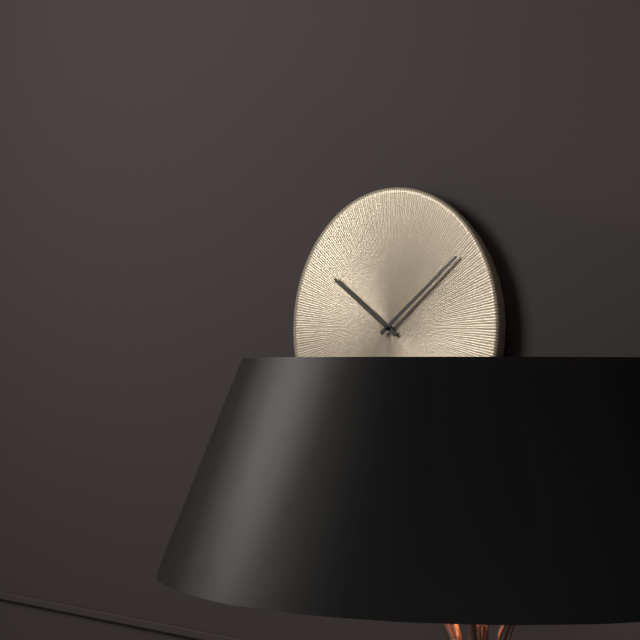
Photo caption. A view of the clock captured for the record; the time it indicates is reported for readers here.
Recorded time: 10:09
